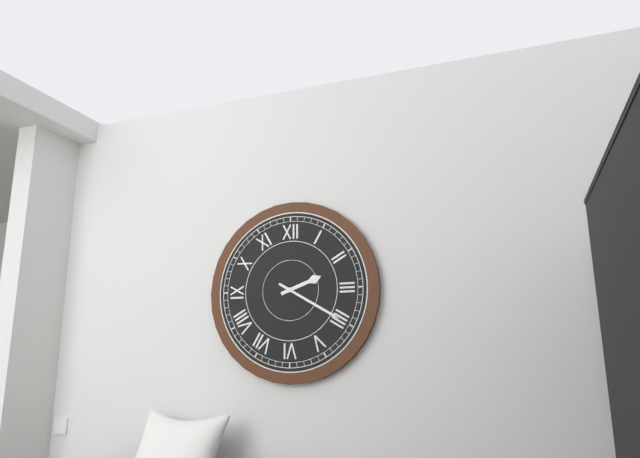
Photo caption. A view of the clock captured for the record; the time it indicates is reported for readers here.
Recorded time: 2:20
